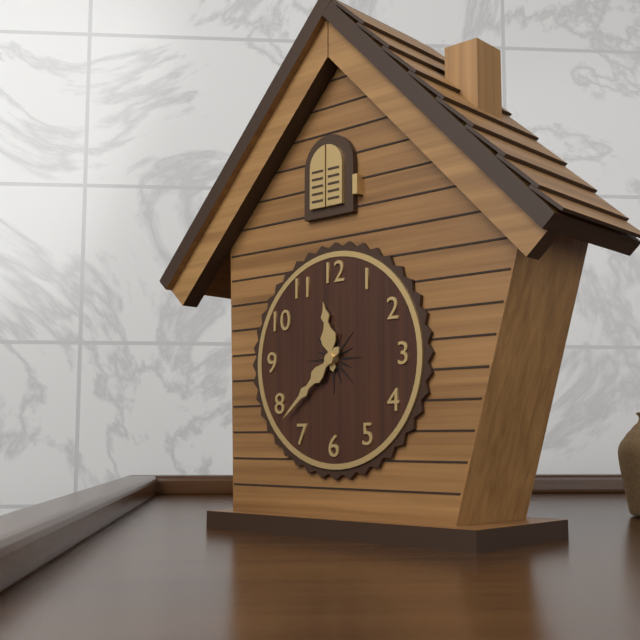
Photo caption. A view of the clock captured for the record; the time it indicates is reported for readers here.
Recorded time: 11:38
